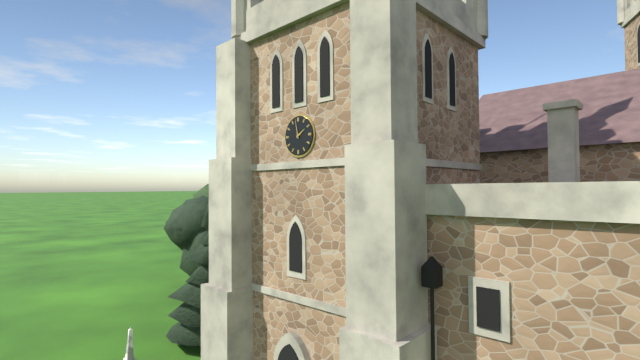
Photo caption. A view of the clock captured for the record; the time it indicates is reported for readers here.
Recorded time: 1:58
